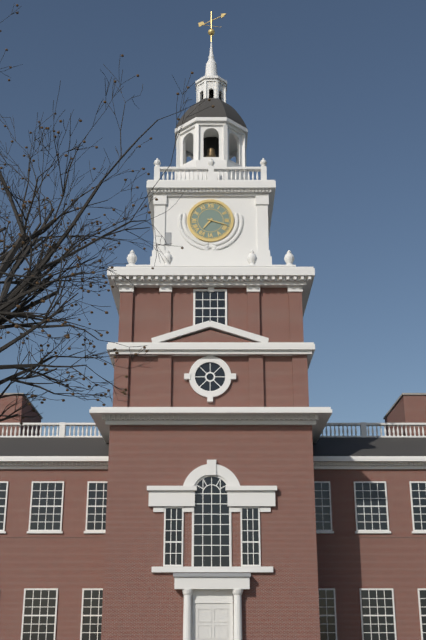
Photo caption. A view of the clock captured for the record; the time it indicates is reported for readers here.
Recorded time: 7:18
